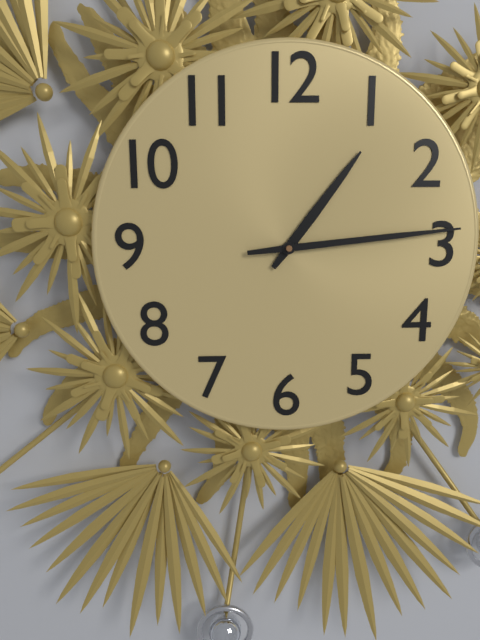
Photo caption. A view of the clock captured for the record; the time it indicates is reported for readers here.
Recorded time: 1:14
